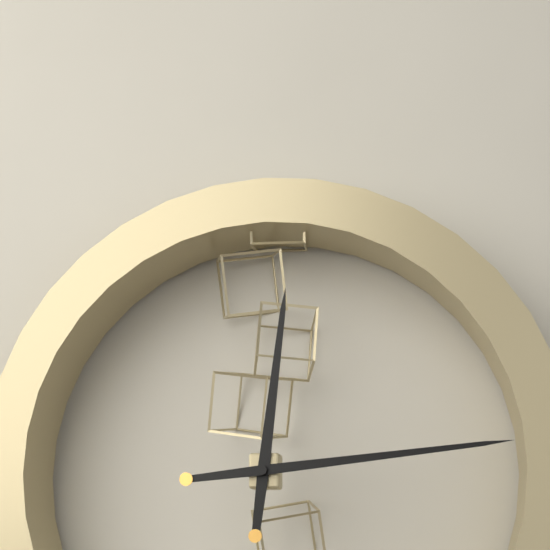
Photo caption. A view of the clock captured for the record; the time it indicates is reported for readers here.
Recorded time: 12:14
